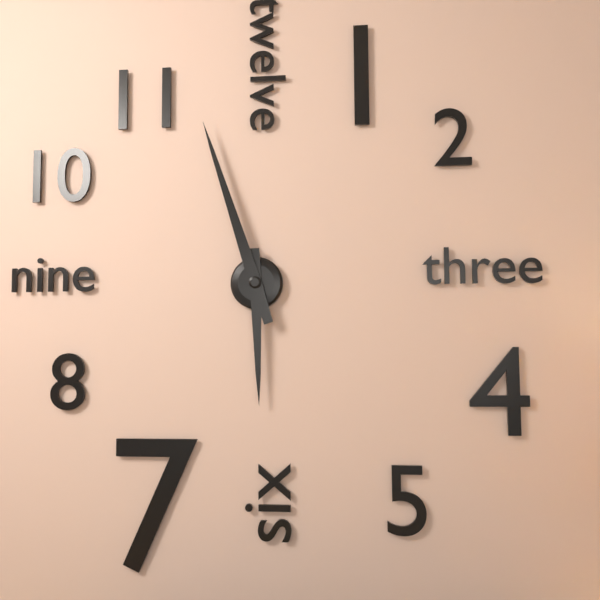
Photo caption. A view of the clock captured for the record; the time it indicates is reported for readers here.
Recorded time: 5:57
